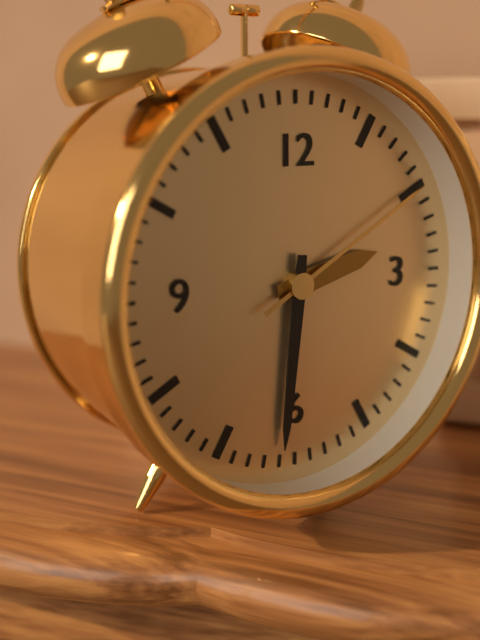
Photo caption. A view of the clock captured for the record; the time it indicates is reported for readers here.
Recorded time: 2:31:10
